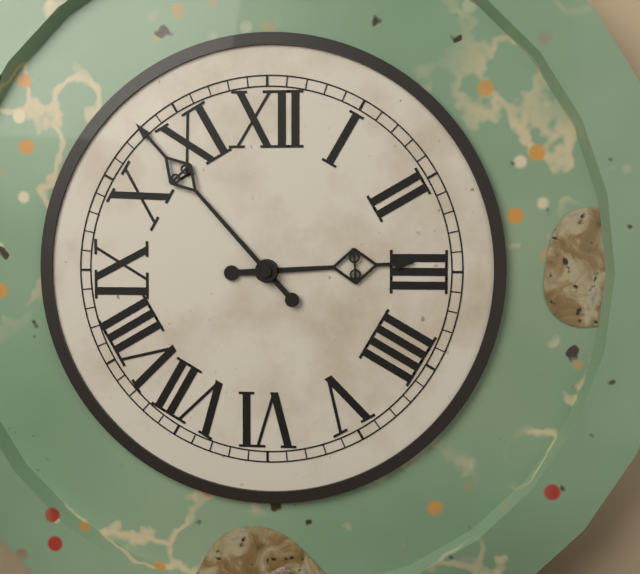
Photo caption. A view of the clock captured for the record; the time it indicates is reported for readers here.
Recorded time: 2:53
